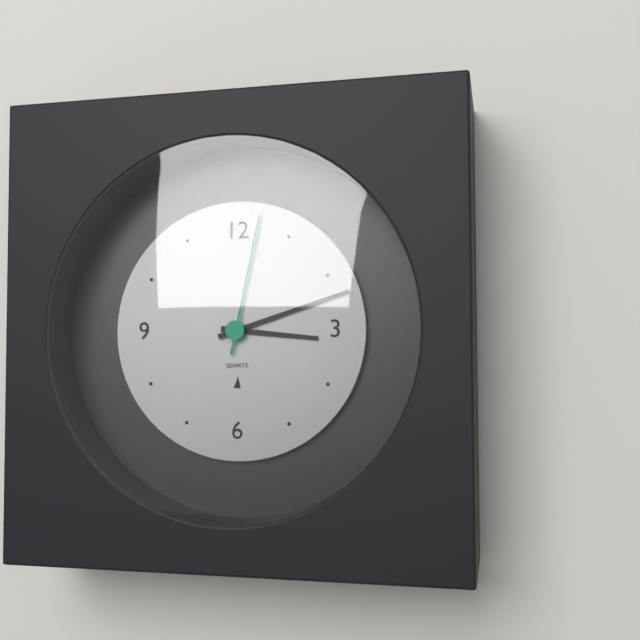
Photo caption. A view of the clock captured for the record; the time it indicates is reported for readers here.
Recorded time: 3:12:02
